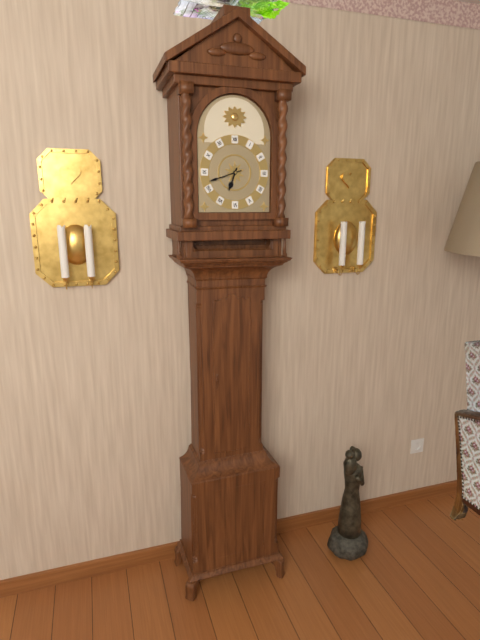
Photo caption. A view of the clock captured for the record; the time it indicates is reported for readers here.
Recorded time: 6:42
